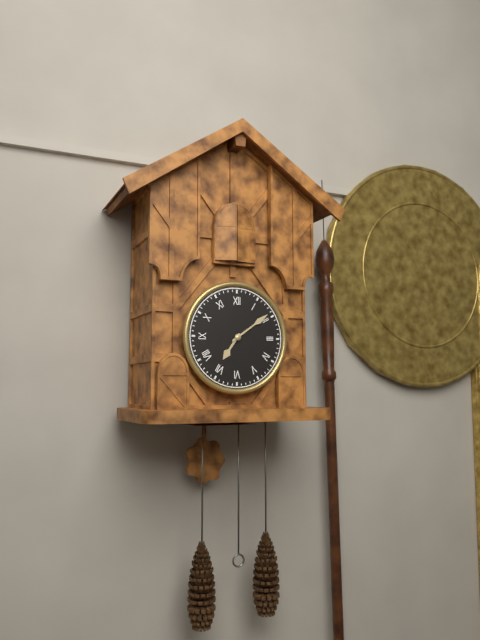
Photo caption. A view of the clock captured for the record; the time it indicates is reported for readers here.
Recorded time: 7:09
